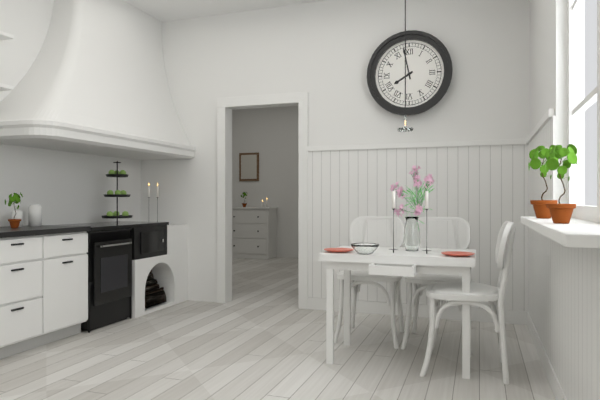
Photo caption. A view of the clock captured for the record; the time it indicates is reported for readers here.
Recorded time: 7:58
